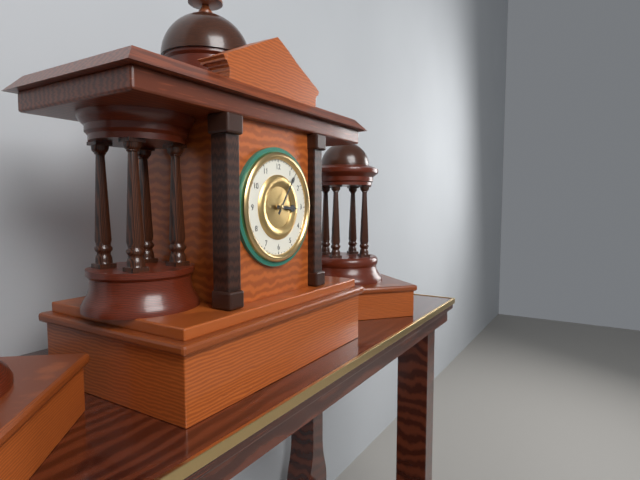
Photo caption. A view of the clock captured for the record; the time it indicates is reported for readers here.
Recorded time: 3:06
